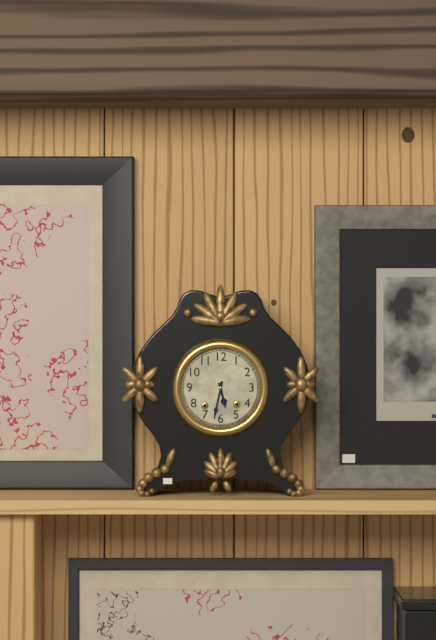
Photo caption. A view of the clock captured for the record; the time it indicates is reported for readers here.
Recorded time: 5:32
